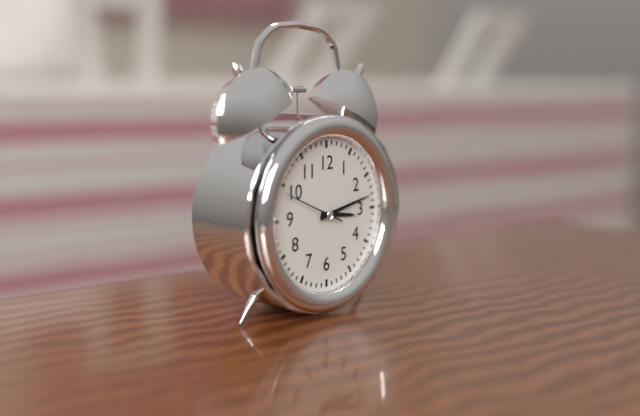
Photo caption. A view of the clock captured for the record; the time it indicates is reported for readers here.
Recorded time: 3:13:49
